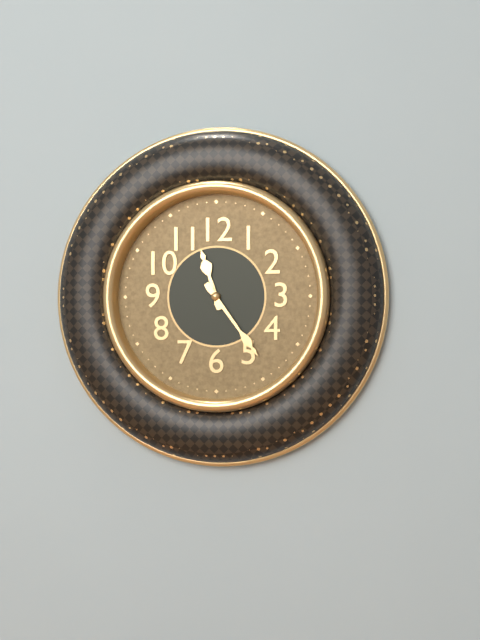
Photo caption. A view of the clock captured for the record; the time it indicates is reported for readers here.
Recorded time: 11:24
